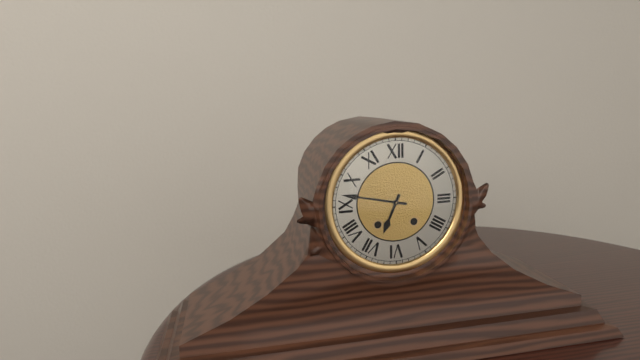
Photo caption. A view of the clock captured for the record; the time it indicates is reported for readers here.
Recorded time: 6:47
